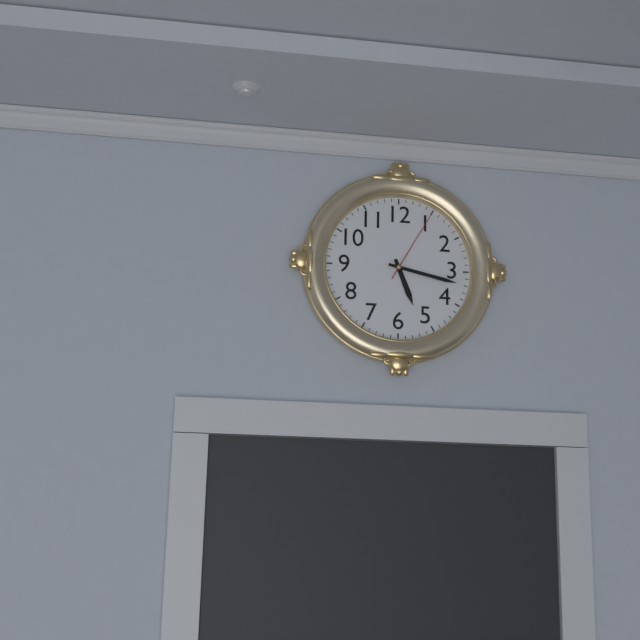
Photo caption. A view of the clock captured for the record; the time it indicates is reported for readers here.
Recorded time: 5:17:05
